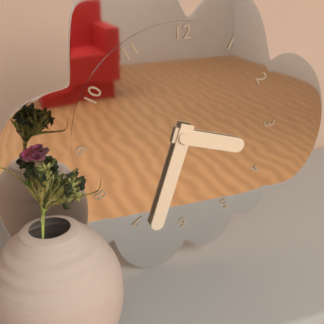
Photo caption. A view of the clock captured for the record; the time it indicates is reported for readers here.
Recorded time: 3:33
